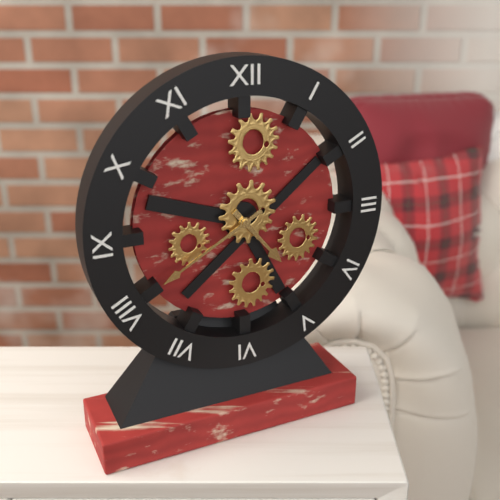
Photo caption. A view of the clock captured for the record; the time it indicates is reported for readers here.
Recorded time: 4:40
